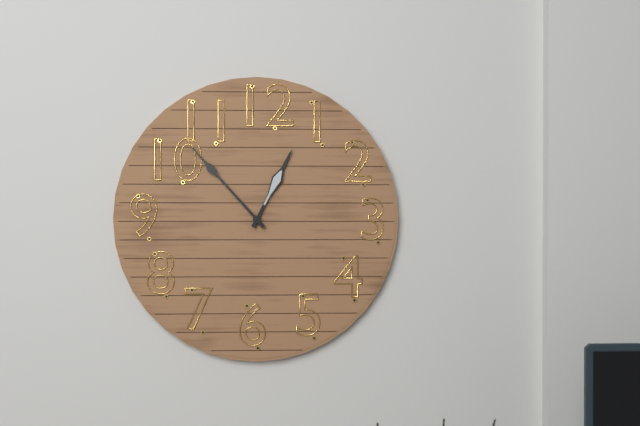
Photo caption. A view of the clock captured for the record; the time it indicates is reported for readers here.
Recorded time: 12:53
